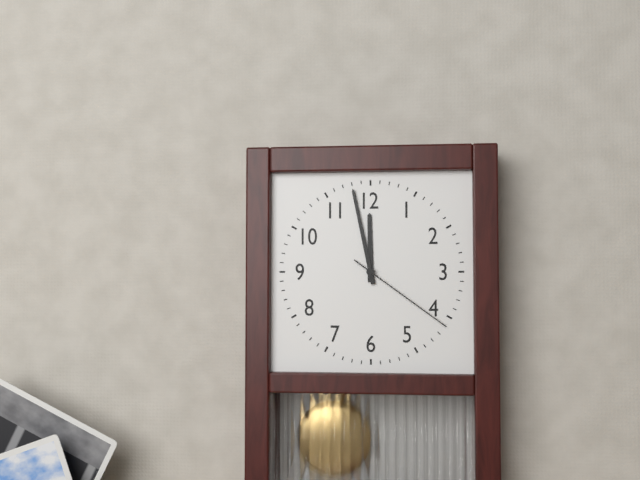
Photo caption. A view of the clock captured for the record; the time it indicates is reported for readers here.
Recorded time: 11:58:21
